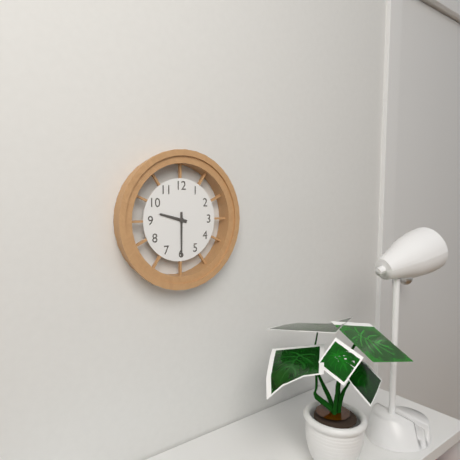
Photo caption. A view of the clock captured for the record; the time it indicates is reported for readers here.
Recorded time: 9:30
